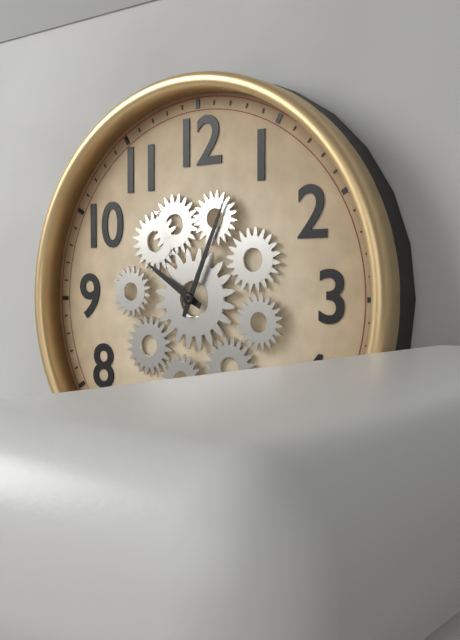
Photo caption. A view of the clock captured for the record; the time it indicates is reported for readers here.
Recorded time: 10:04
